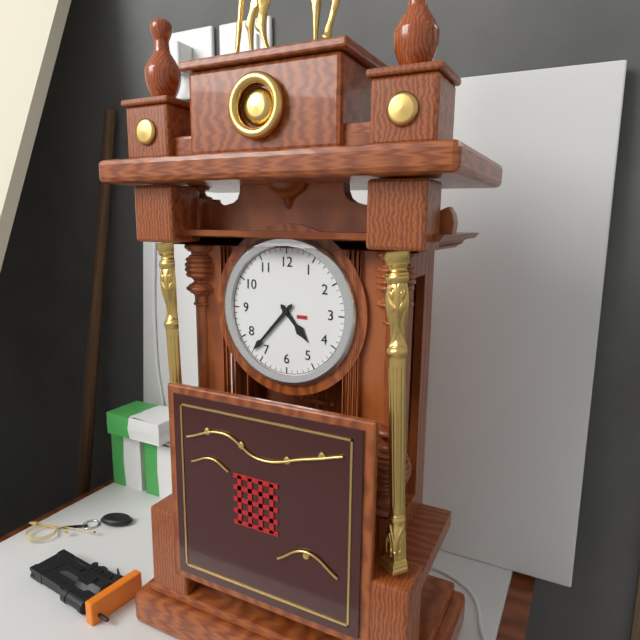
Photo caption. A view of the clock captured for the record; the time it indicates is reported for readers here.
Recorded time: 4:37
